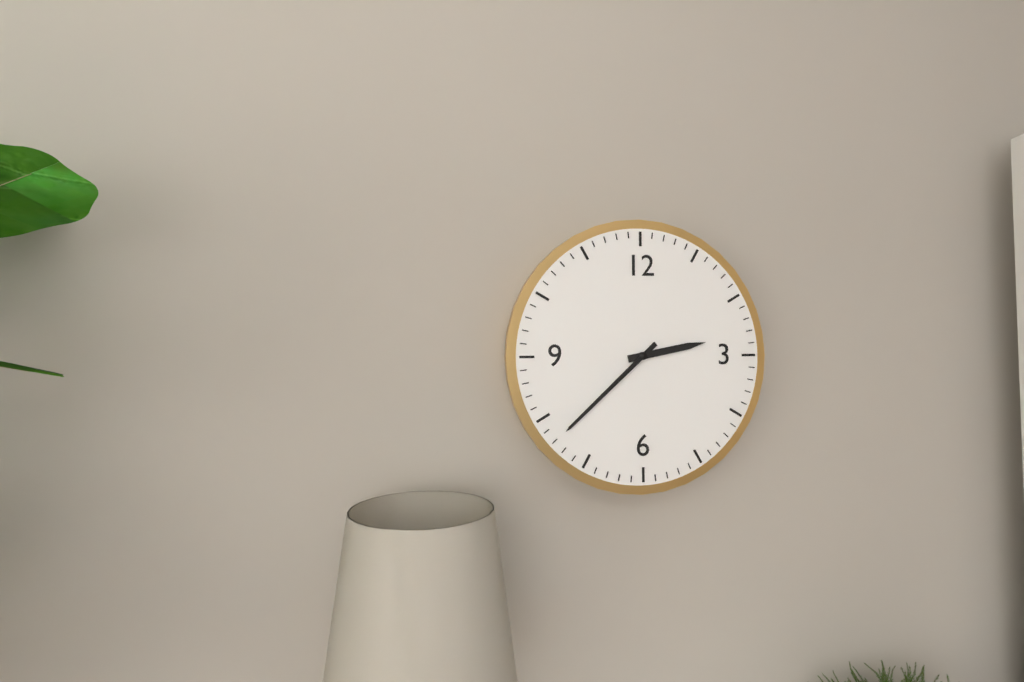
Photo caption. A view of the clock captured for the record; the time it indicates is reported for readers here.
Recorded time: 2:38
